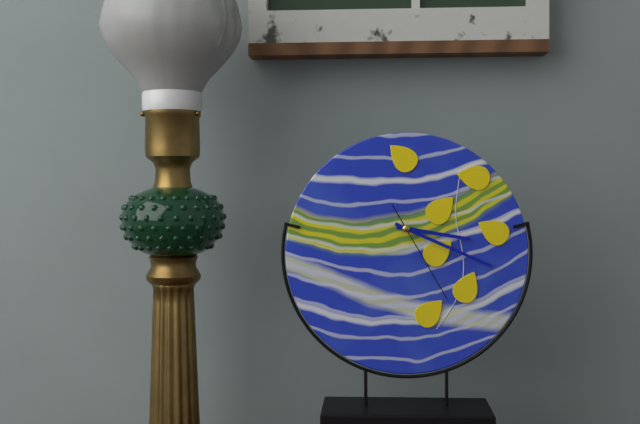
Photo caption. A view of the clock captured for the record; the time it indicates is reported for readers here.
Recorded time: 3:19:25
